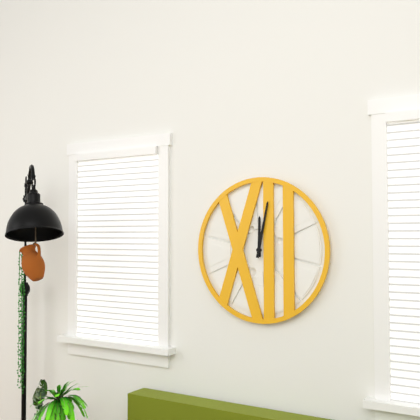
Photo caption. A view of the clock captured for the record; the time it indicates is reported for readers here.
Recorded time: 12:02
